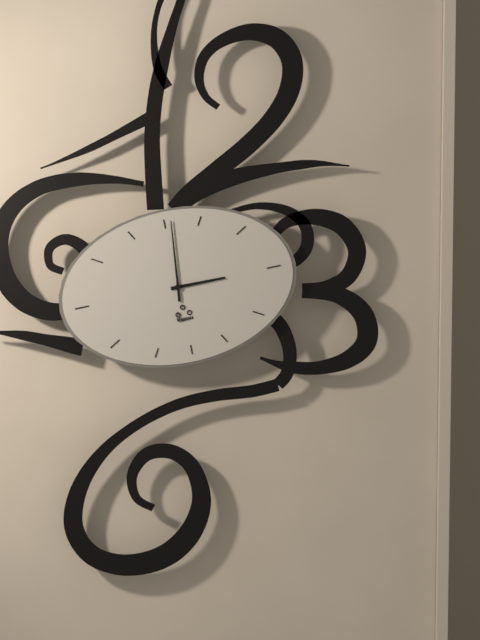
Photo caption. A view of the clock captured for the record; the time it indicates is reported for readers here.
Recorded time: 3:01
